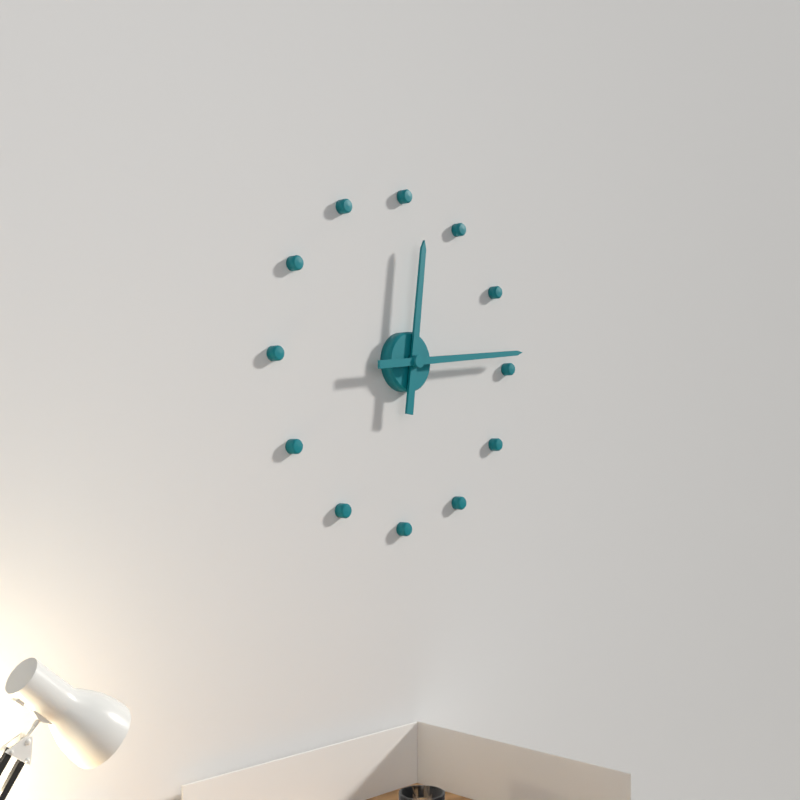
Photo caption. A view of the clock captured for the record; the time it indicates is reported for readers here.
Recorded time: 12:14
